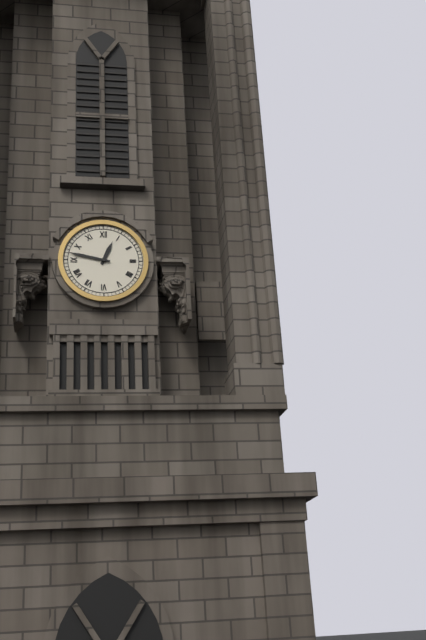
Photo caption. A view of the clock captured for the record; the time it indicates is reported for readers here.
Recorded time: 12:47
